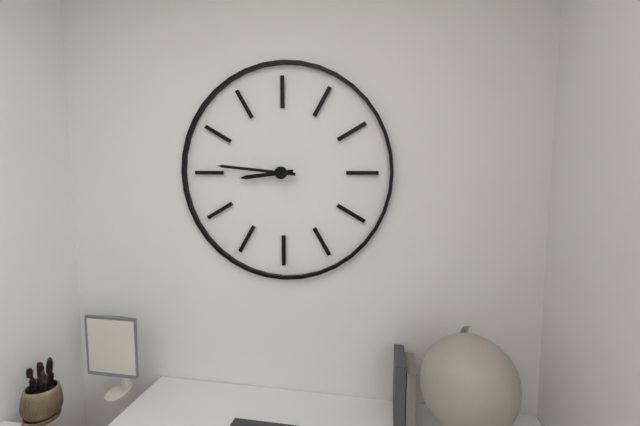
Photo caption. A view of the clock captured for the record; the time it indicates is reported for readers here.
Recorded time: 8:46
